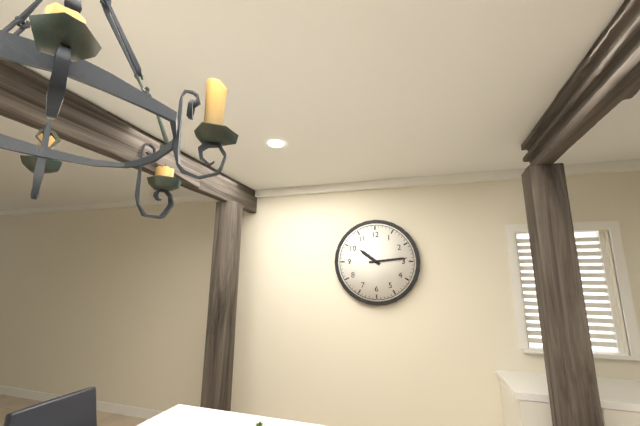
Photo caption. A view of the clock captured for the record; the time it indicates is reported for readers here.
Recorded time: 10:14
